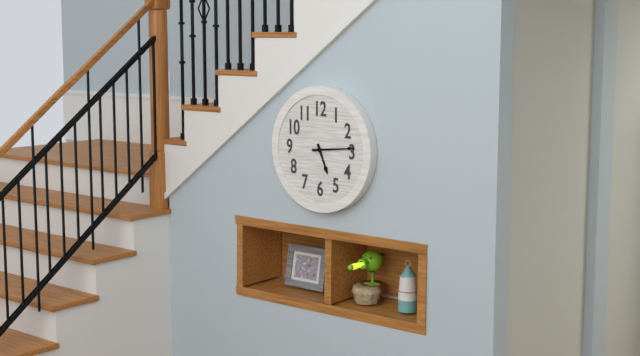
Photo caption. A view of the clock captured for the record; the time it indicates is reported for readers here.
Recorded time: 5:14
